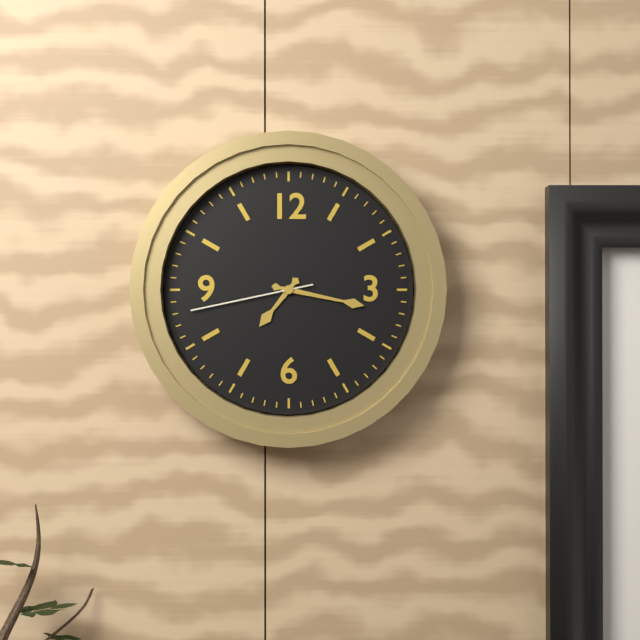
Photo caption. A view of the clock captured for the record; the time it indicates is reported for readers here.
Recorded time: 7:17:43
